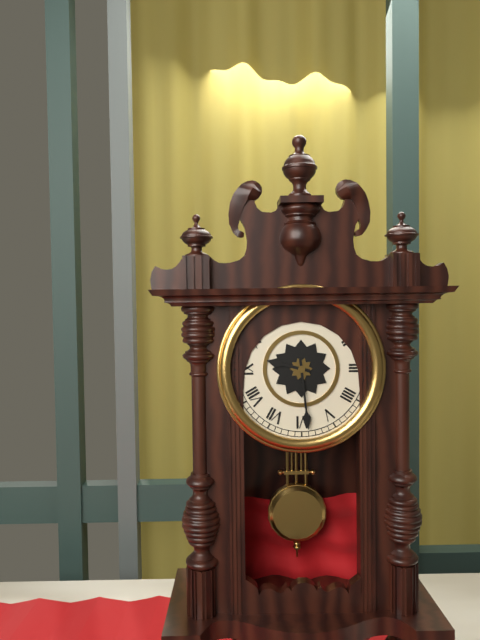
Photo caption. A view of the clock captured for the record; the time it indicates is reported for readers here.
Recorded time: 9:29
